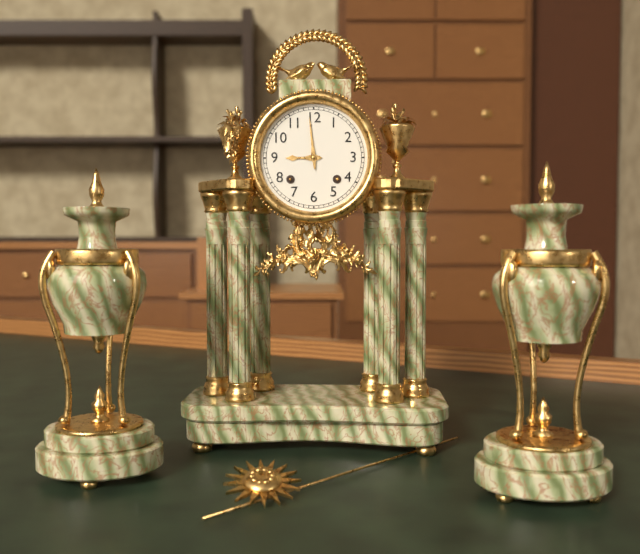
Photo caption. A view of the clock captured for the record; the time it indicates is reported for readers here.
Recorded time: 8:59
